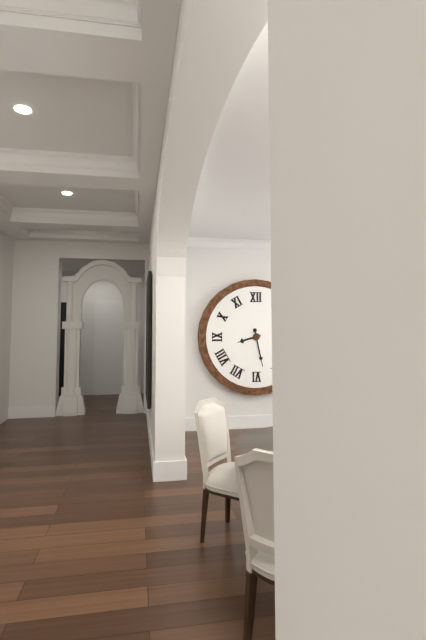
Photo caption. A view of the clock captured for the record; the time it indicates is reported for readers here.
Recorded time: 8:28
